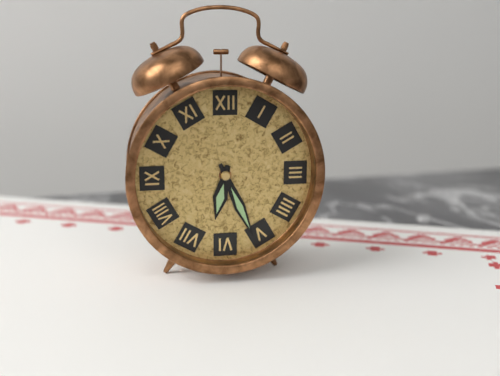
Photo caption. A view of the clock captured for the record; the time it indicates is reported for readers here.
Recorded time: 6:26
